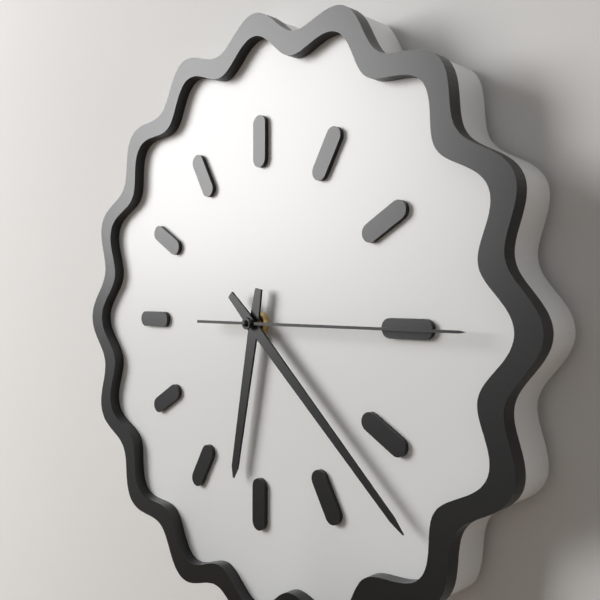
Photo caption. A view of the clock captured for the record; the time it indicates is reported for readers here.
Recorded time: 6:22:15
